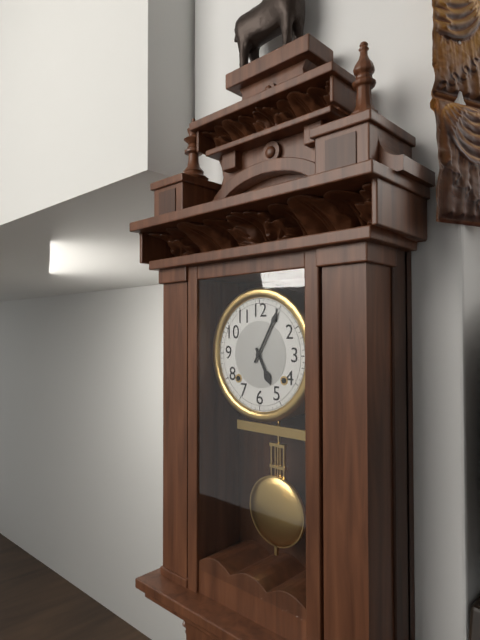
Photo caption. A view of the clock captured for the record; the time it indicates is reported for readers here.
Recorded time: 5:05
